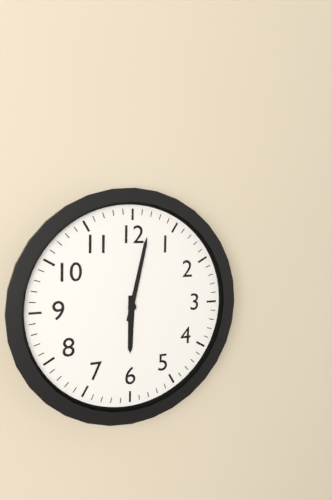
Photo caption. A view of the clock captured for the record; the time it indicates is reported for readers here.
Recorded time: 6:02
